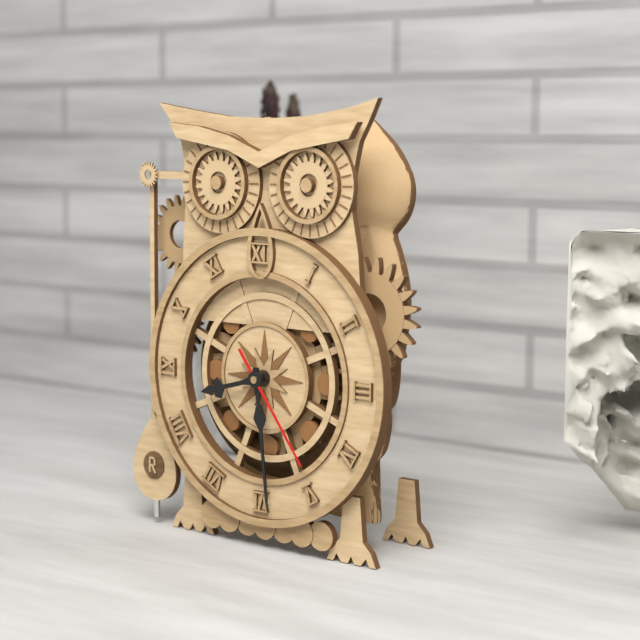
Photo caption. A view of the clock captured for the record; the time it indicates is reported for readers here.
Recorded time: 8:29:24
